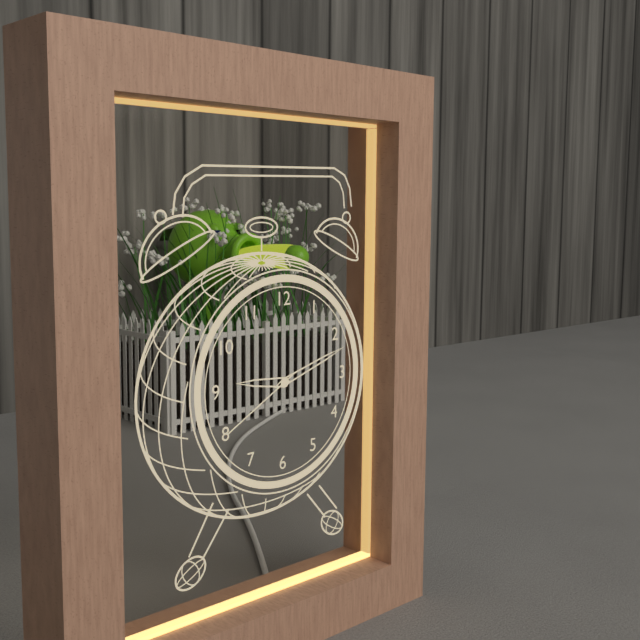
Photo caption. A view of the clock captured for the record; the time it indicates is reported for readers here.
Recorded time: 9:12:40
